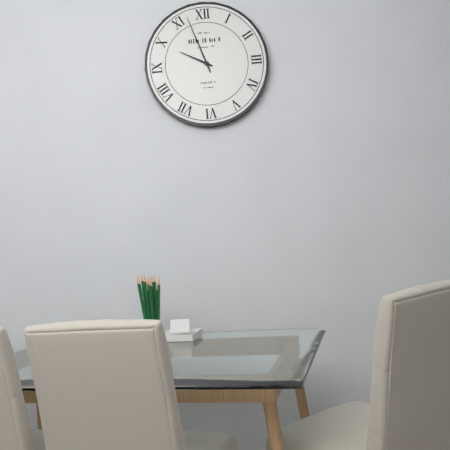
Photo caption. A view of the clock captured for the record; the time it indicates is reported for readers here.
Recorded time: 9:57
